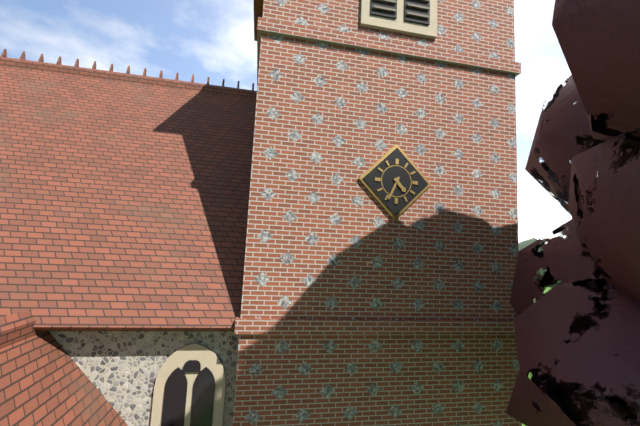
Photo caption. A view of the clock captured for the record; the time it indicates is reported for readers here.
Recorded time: 4:34
